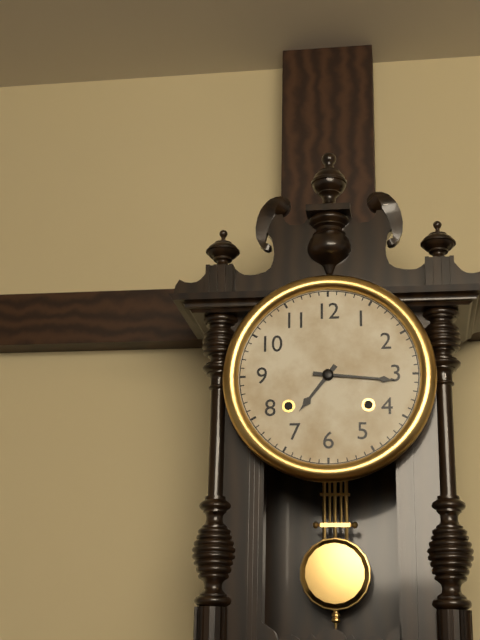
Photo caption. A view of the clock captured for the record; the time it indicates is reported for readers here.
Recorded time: 7:16
